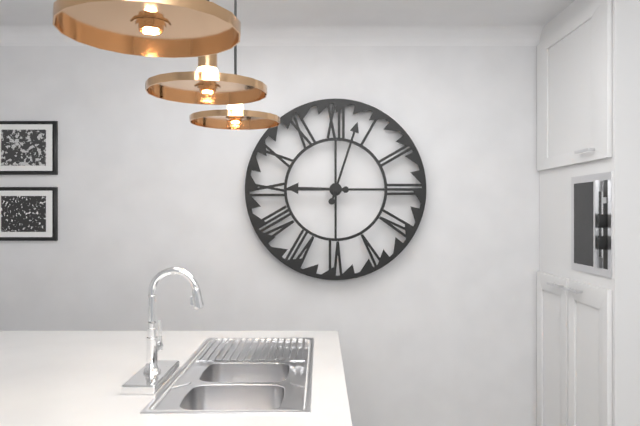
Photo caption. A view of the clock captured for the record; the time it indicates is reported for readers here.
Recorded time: 9:03
